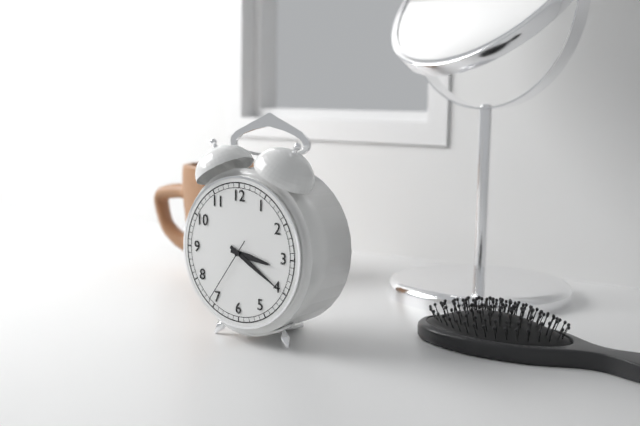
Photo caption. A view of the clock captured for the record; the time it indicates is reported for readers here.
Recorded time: 3:20:36
